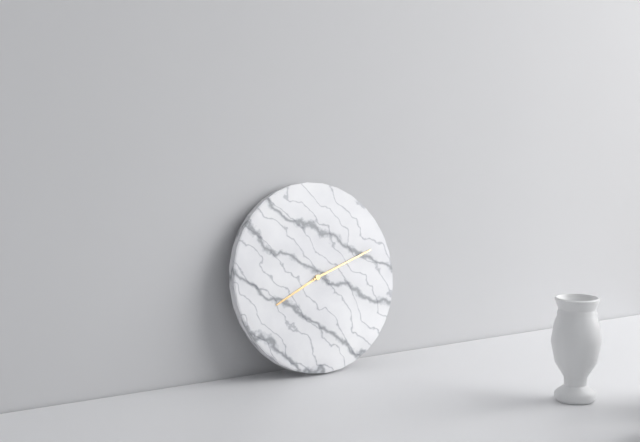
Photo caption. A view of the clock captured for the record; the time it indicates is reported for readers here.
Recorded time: 8:12
